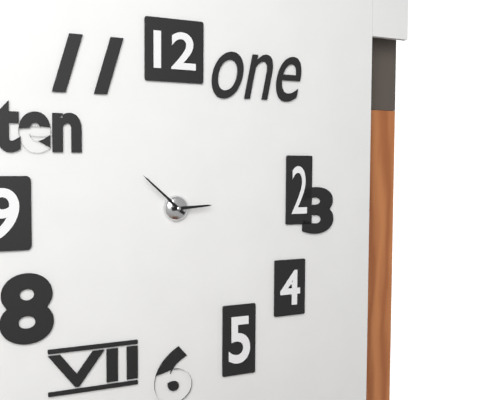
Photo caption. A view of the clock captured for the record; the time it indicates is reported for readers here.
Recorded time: 2:52
